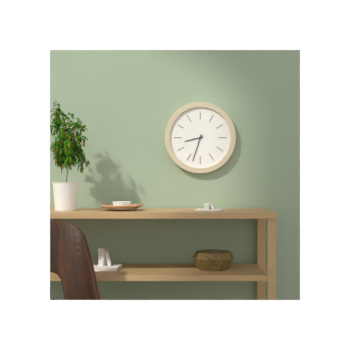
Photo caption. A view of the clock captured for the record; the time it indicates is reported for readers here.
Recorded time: 8:33
